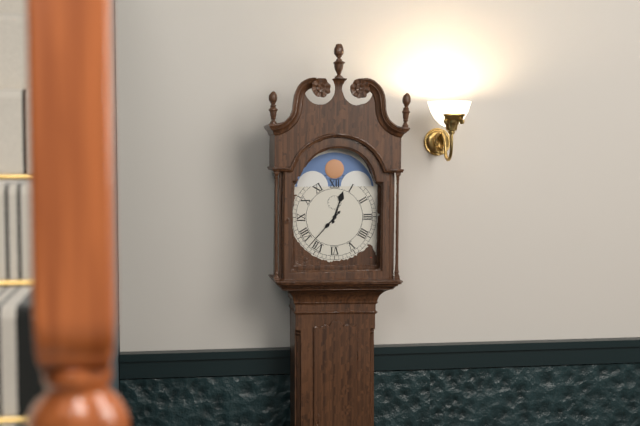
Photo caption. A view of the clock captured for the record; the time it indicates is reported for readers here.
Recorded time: 12:37
